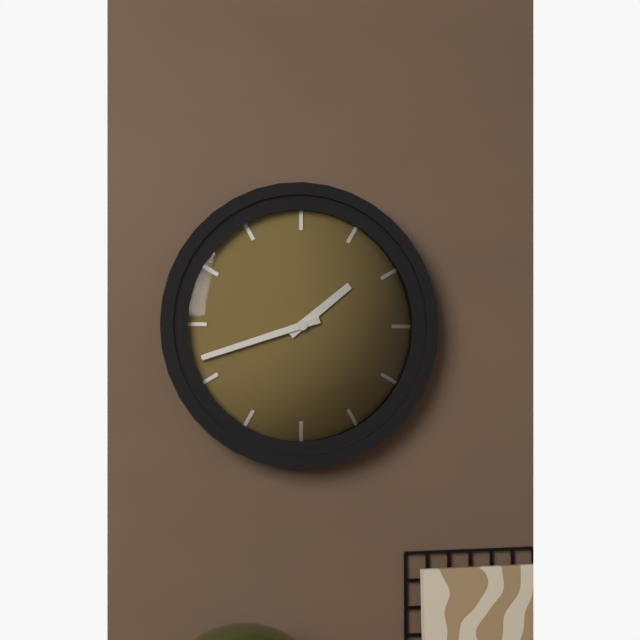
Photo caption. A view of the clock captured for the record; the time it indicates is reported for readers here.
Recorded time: 1:42
